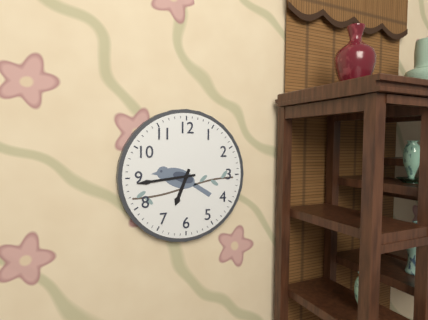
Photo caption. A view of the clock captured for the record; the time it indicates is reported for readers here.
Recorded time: 6:44
